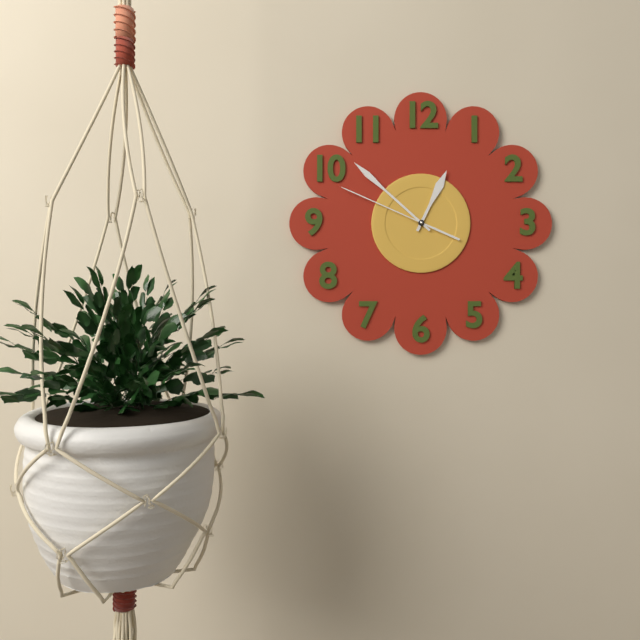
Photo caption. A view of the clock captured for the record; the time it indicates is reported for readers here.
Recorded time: 12:52:49
